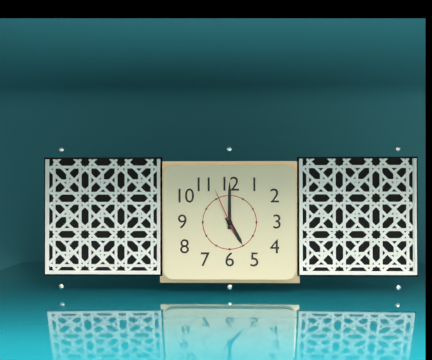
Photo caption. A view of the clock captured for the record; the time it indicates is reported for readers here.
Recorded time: 5:00
